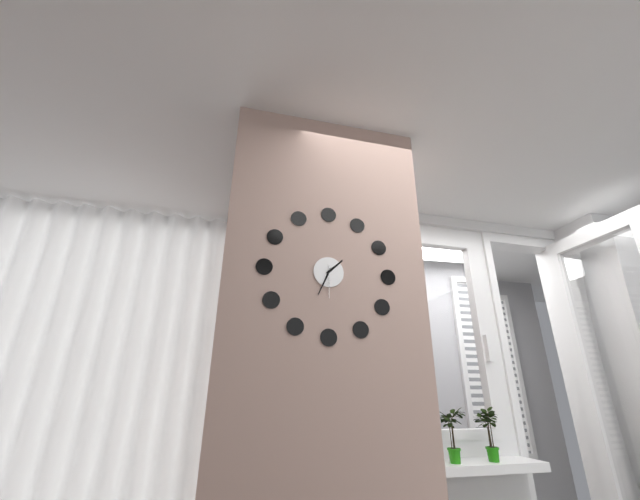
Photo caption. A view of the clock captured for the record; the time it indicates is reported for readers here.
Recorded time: 1:34
